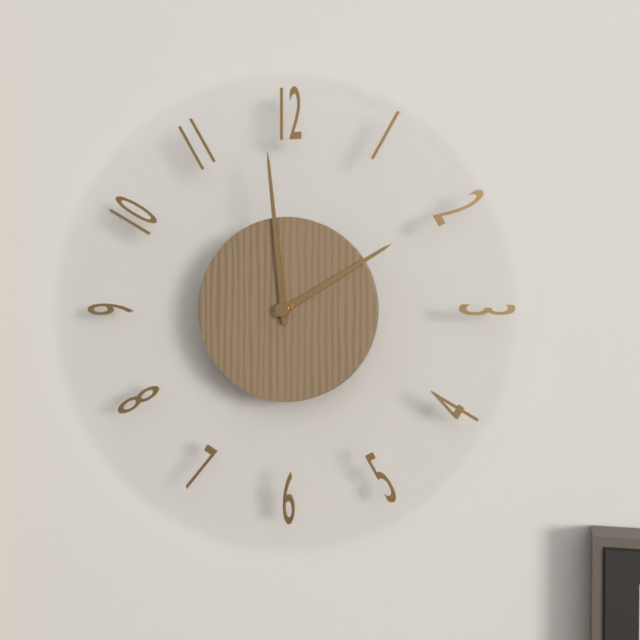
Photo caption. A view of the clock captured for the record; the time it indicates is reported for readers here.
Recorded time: 1:59
